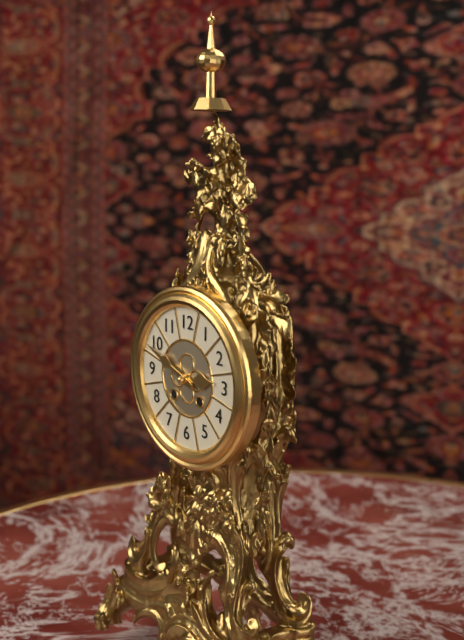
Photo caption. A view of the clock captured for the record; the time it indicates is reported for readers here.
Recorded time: 2:49
